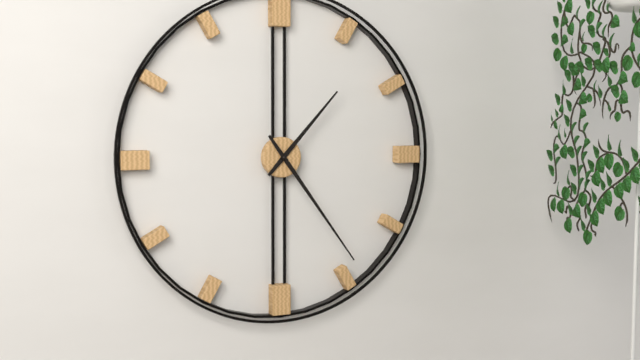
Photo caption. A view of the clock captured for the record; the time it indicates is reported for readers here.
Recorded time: 1:24
